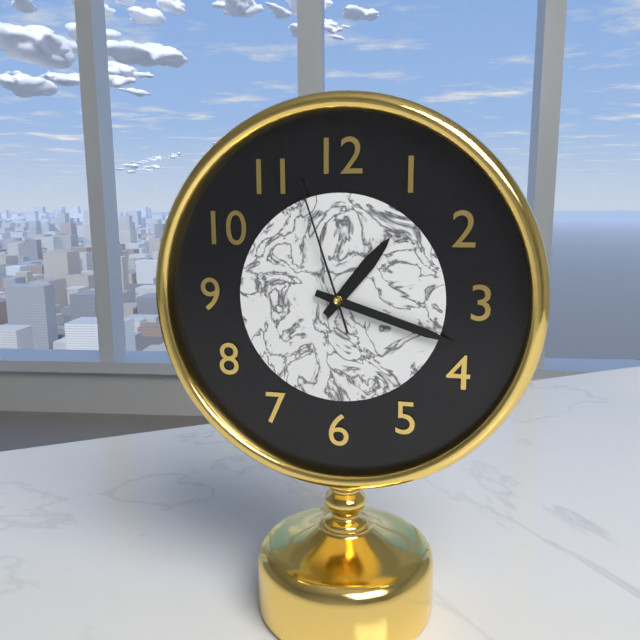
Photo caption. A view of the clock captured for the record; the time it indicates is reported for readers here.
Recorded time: 1:18:57
